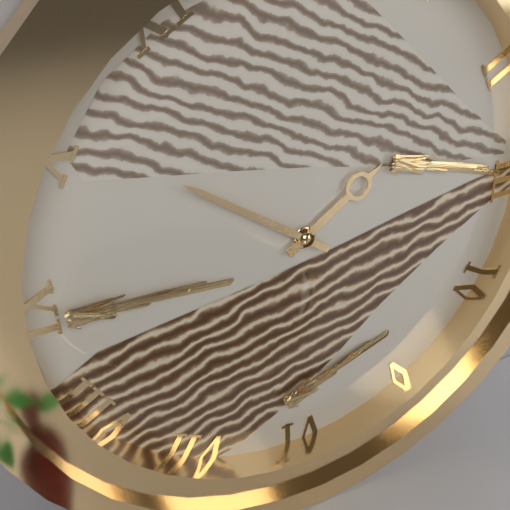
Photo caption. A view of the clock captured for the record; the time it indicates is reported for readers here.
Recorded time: 1:51
